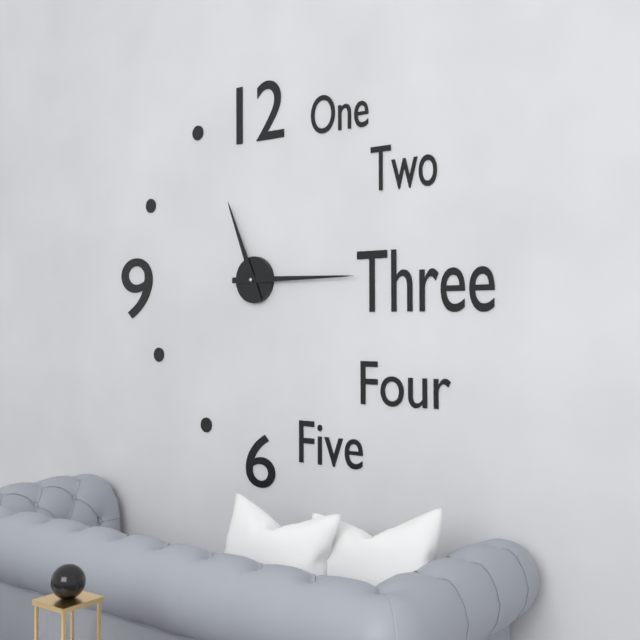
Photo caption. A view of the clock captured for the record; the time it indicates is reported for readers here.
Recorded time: 11:15
